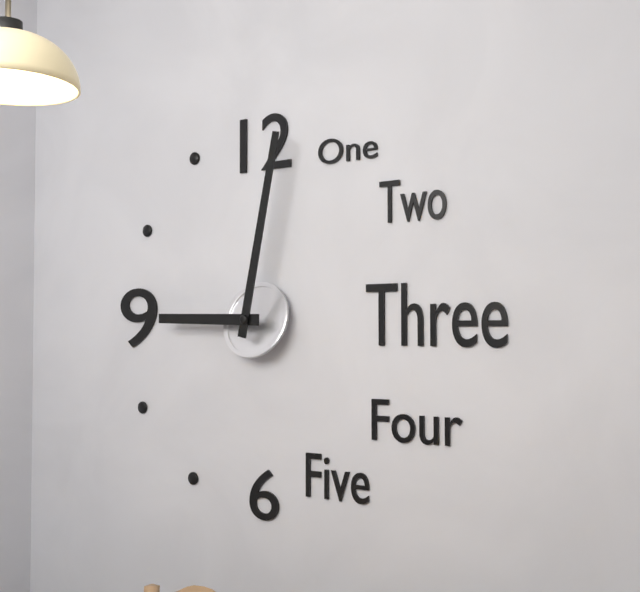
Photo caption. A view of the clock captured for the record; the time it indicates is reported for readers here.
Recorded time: 9:02
